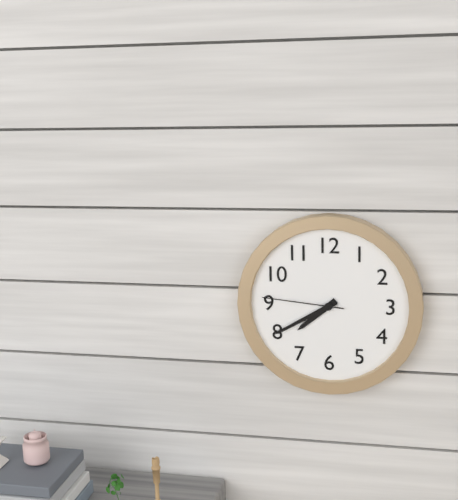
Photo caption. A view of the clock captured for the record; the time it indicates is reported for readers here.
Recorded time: 7:40:46
